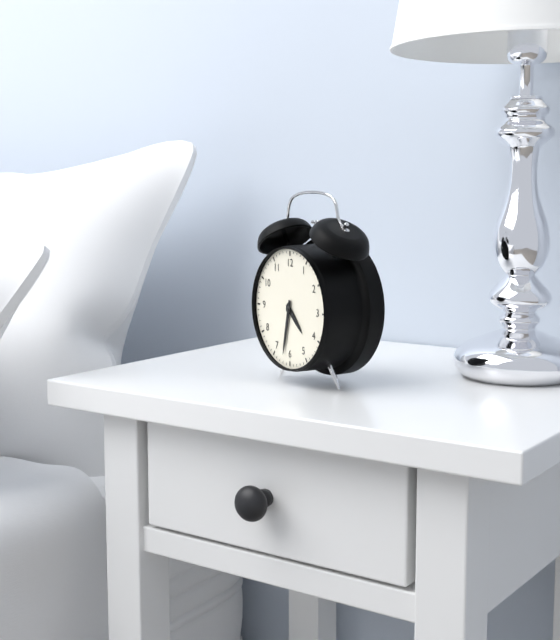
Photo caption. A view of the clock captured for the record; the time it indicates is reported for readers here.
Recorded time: 4:32
